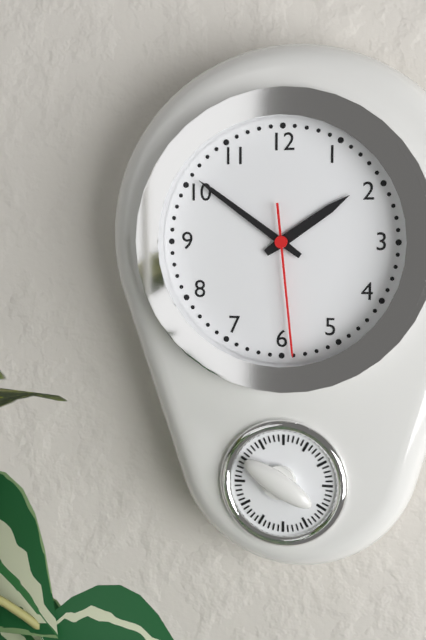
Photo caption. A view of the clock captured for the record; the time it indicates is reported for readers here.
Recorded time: 1:51:29
